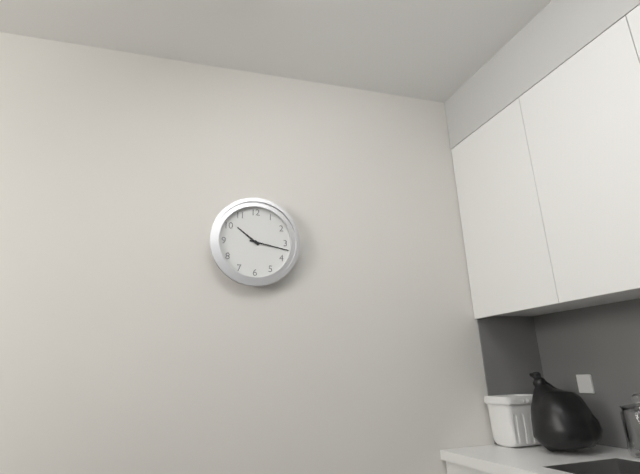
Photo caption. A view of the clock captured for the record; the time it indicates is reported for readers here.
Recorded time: 10:17
